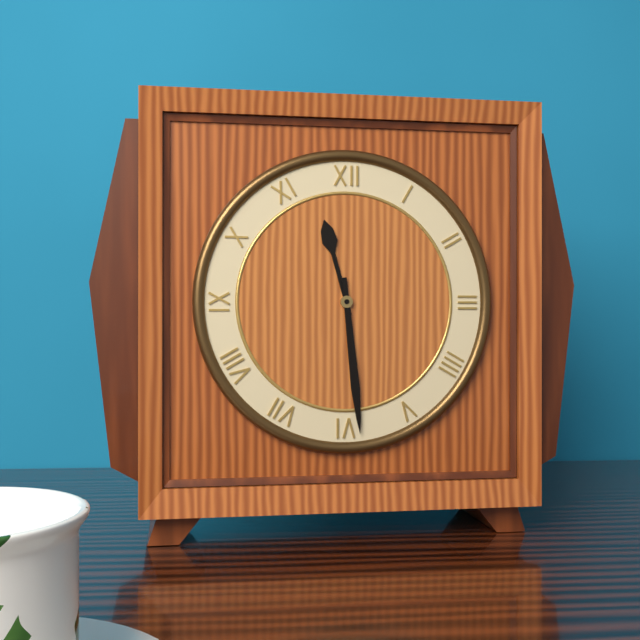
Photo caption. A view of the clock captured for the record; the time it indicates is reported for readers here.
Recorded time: 11:29
